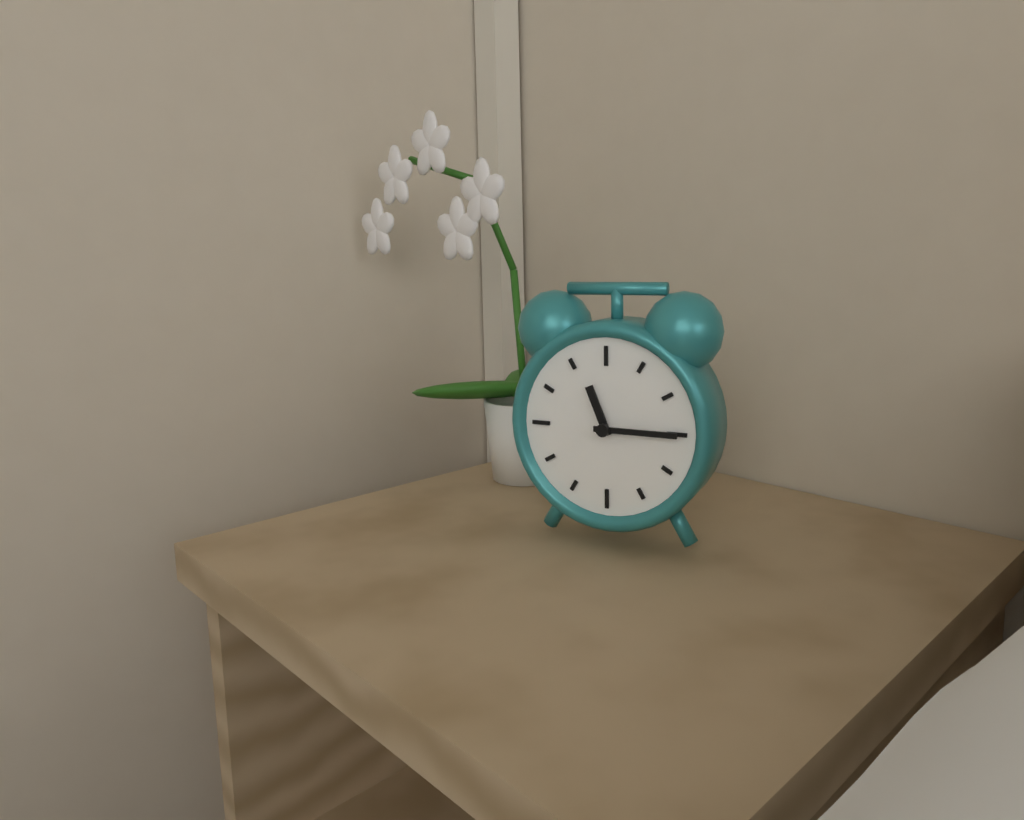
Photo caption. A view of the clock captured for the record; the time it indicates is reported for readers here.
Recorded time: 11:15
